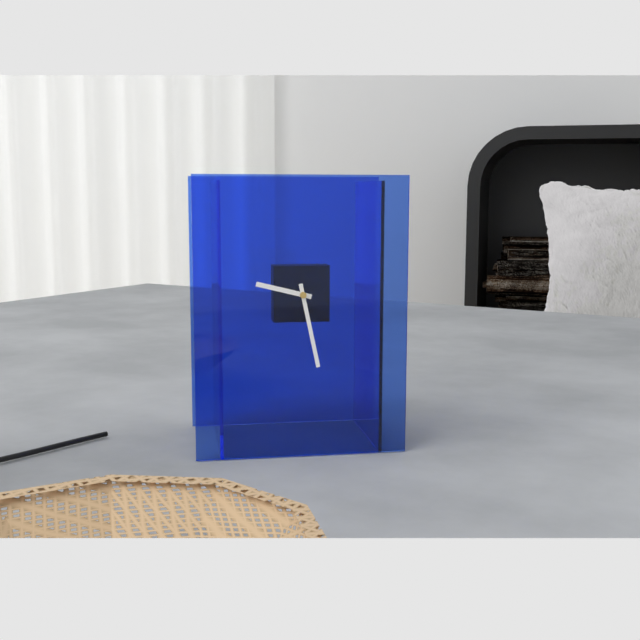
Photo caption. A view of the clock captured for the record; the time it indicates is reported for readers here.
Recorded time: 9:28
